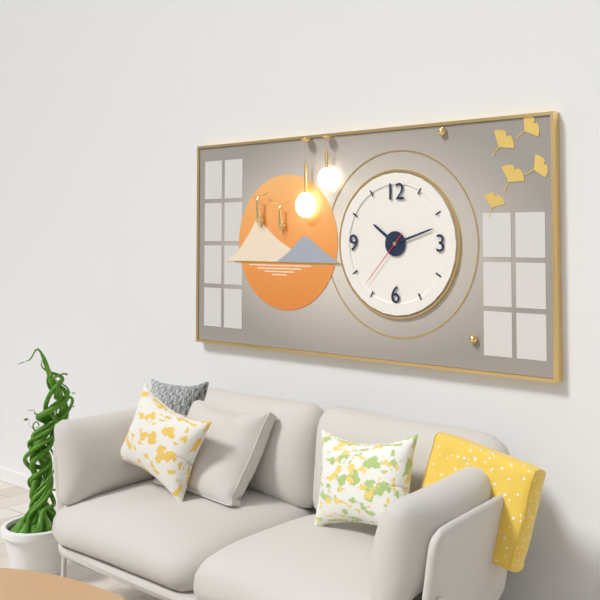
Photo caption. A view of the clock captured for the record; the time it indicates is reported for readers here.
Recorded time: 10:12:37
